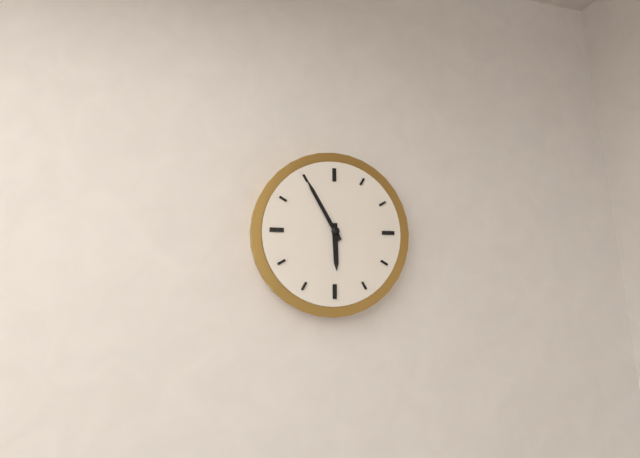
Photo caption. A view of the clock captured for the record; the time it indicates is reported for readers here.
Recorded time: 5:55
